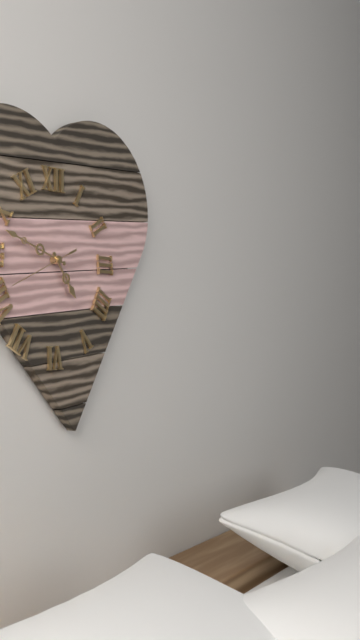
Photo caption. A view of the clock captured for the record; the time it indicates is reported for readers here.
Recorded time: 4:48:41
